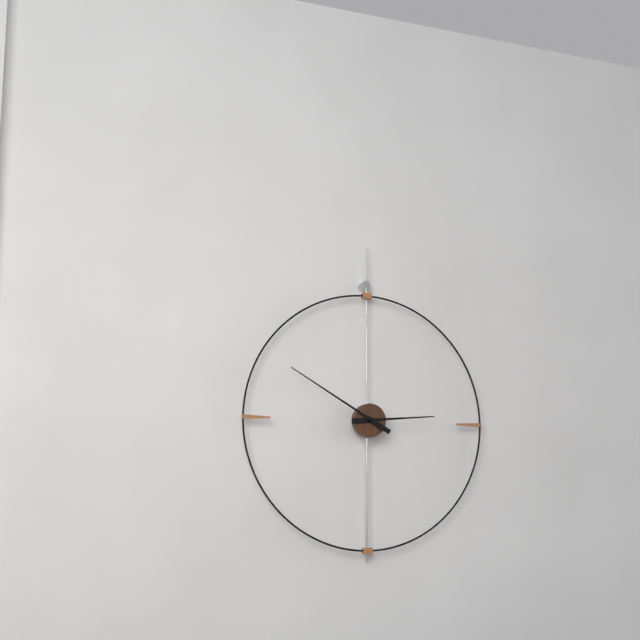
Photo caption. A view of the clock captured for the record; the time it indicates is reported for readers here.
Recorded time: 2:50
